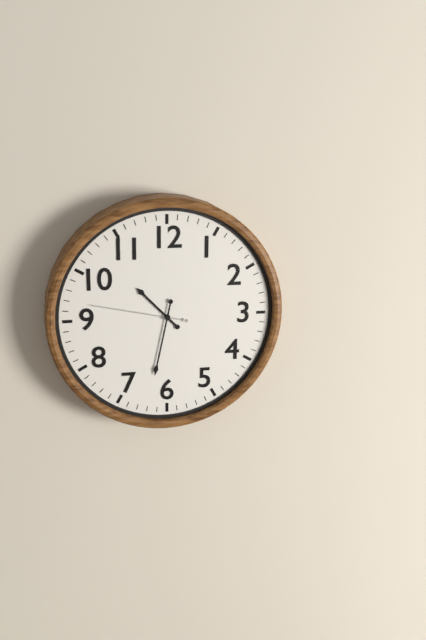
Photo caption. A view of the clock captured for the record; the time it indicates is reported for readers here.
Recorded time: 10:32:47
